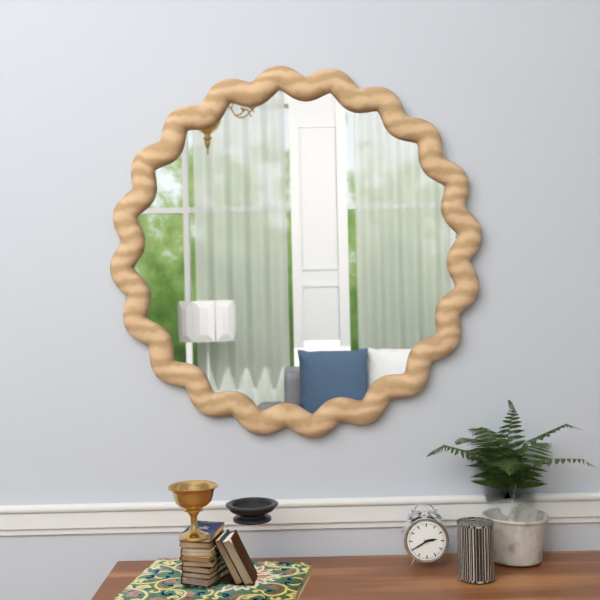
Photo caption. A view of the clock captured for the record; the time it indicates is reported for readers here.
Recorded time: 2:40
